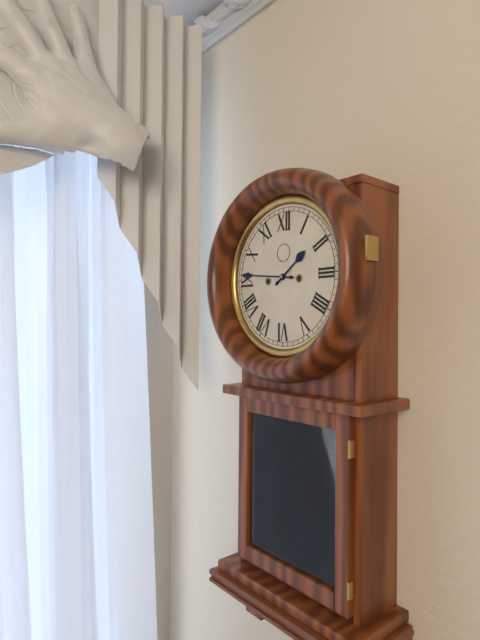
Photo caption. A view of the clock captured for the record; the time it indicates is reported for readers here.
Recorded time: 1:46
